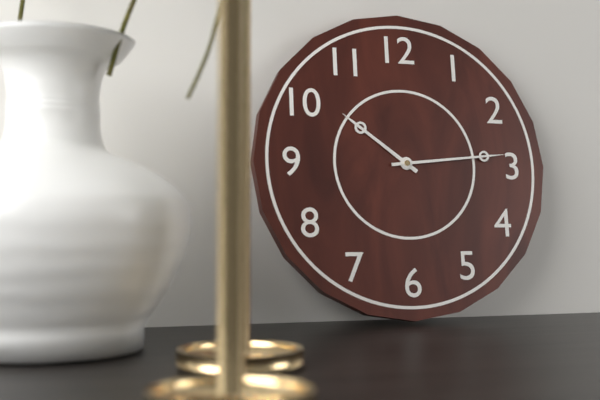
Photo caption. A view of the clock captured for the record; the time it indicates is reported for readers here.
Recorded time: 10:14
